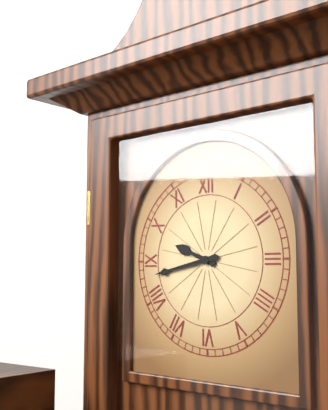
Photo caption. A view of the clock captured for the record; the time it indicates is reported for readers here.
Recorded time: 9:43
